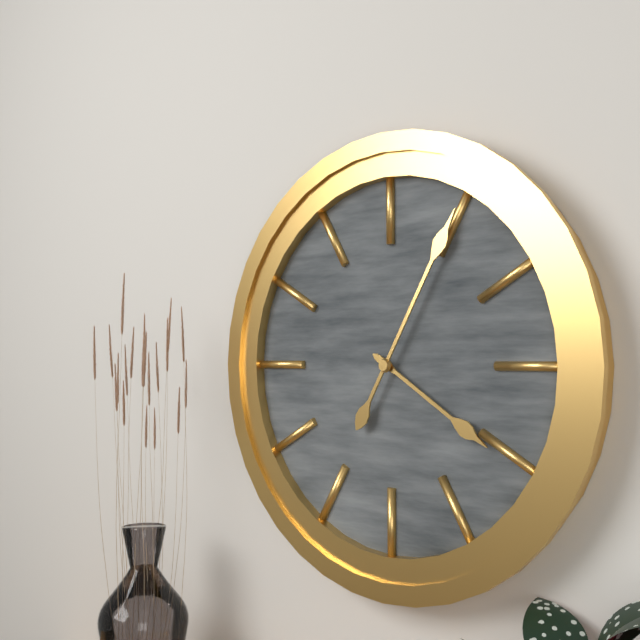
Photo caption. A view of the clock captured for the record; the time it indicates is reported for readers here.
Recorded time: 4:05
